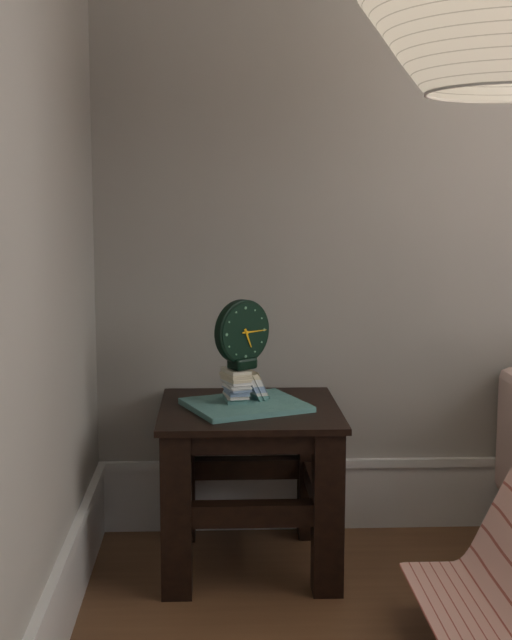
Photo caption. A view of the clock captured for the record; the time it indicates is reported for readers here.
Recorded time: 5:15
